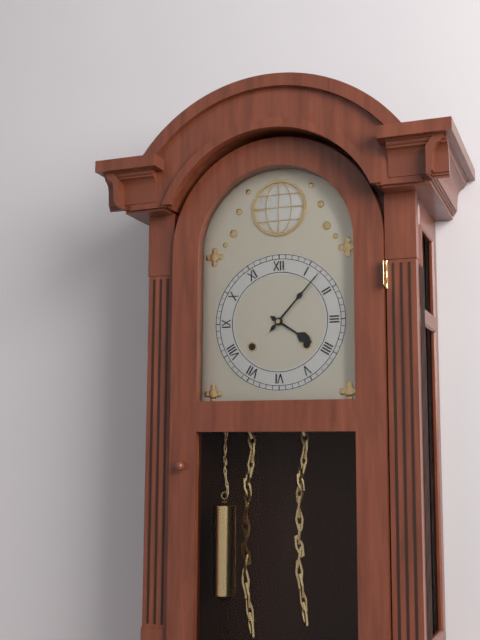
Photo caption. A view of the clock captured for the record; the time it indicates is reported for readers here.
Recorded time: 4:07
